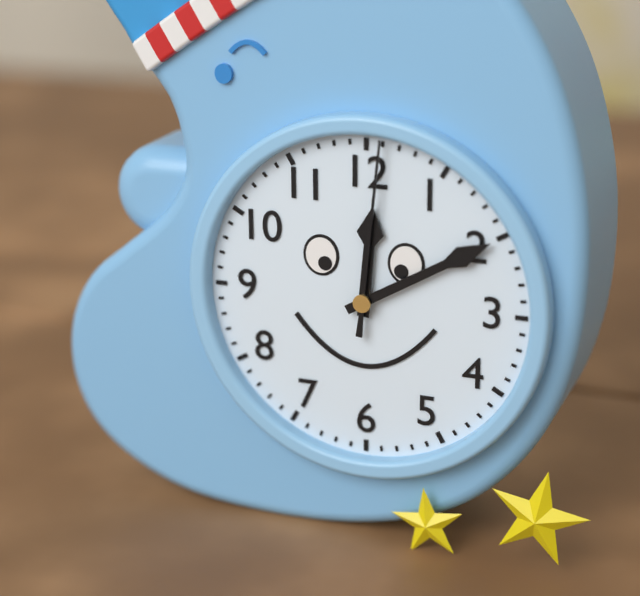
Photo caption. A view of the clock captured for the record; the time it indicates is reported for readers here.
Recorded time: 12:10:01
